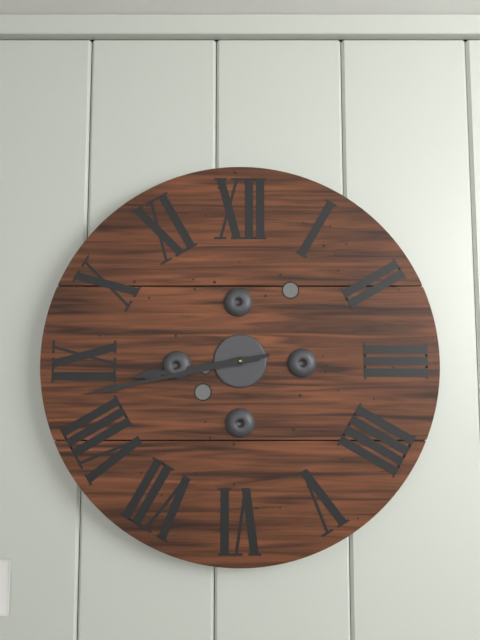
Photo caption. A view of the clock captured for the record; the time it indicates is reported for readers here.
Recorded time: 8:43
